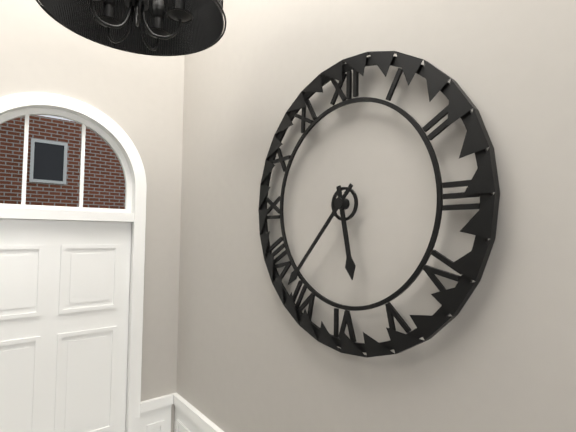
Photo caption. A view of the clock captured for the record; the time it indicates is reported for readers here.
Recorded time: 5:37
